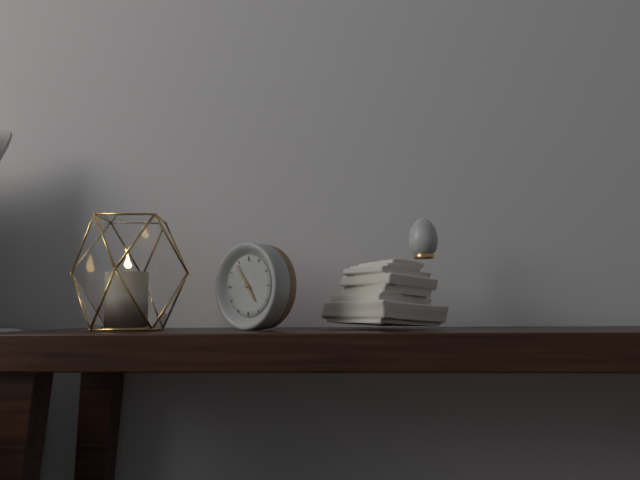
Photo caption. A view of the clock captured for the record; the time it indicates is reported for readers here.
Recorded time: 4:54
